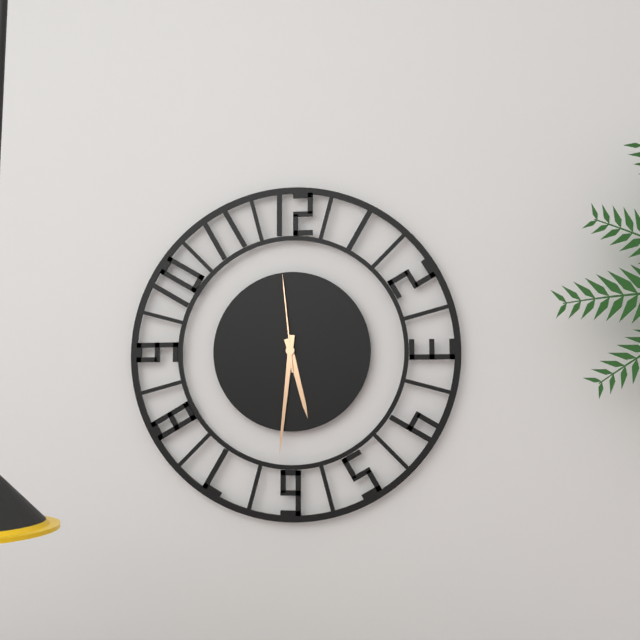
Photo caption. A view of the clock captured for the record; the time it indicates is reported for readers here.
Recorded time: 5:31:59
